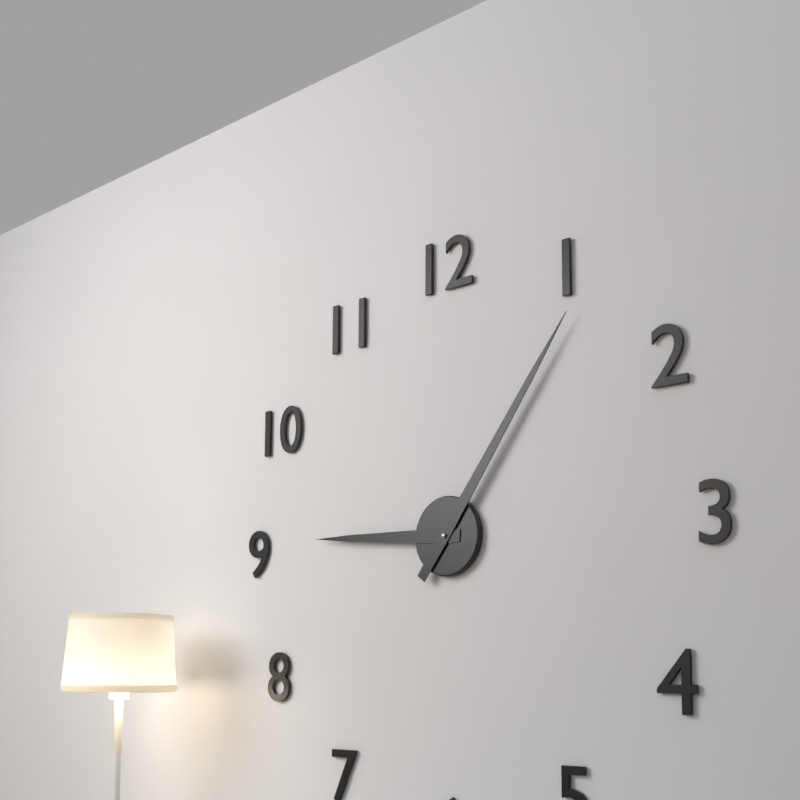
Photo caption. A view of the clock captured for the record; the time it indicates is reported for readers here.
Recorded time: 9:06
